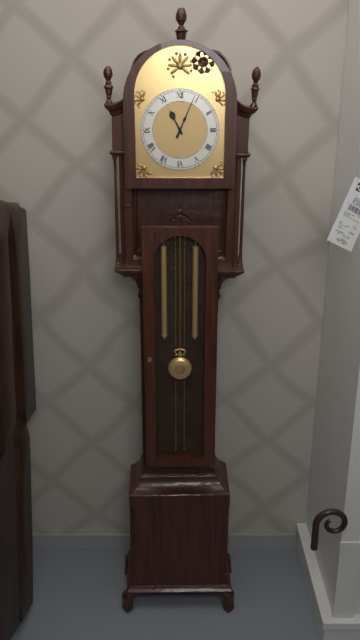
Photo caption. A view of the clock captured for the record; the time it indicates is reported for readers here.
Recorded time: 11:04
